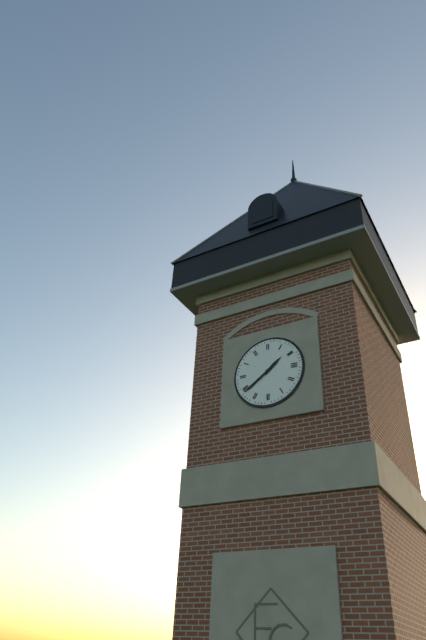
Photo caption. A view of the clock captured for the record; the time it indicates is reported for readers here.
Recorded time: 1:39
